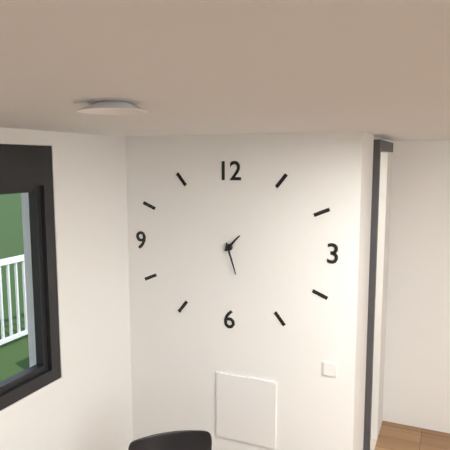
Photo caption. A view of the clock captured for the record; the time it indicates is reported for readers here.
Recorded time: 1:27
